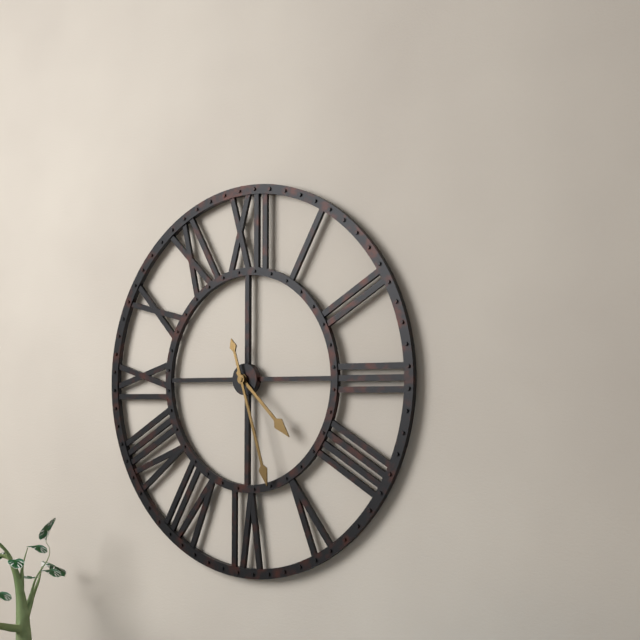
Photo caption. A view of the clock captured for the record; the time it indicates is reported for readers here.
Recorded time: 4:27
